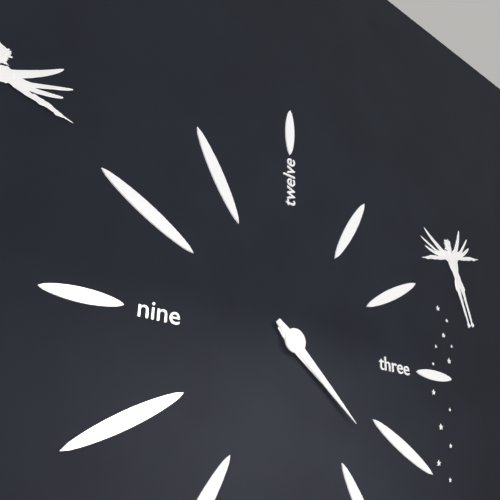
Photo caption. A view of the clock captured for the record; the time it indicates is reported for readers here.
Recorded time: 4:22
